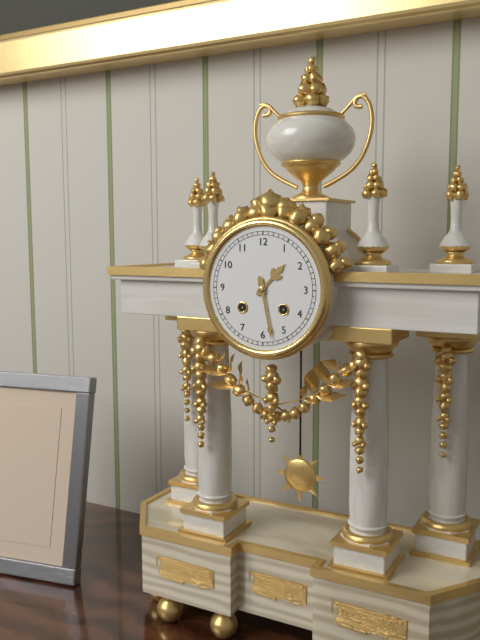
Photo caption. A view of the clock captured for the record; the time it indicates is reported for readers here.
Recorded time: 1:28
